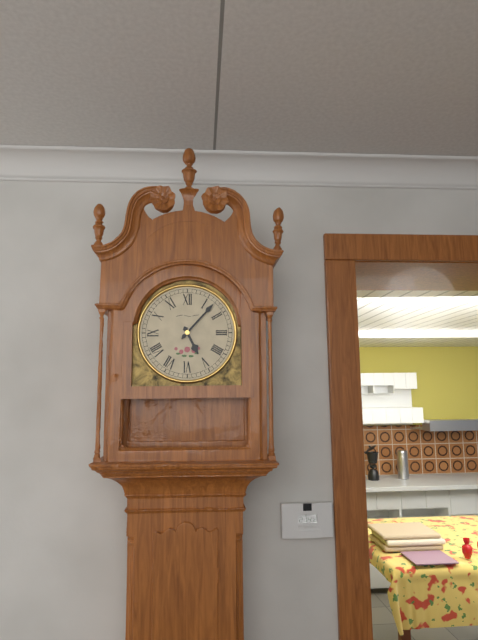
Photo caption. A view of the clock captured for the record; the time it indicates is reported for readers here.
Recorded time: 5:07
